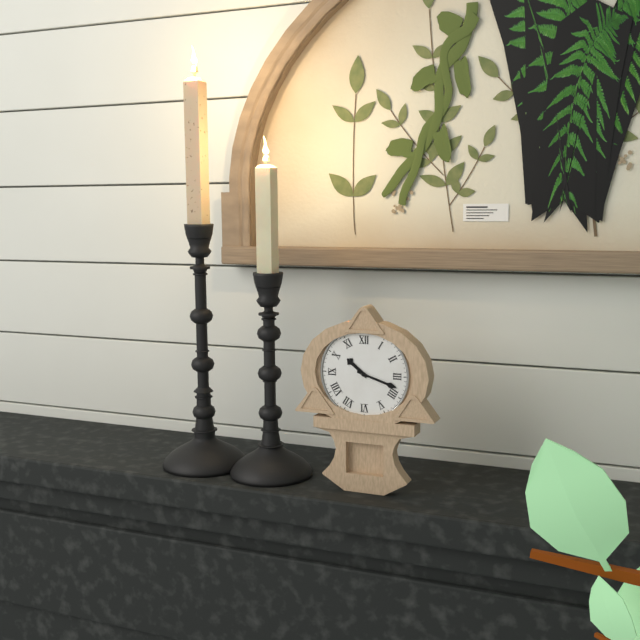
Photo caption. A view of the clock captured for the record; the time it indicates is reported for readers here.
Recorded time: 10:18
